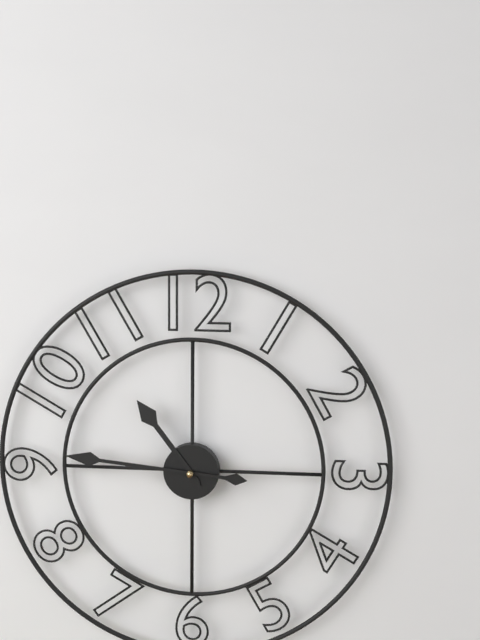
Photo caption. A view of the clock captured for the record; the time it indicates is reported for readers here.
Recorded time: 10:46
